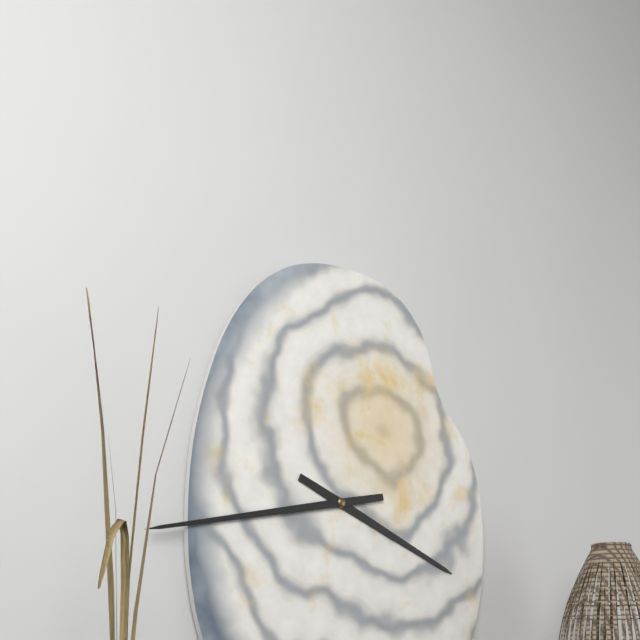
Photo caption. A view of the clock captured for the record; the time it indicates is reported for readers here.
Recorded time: 3:43
